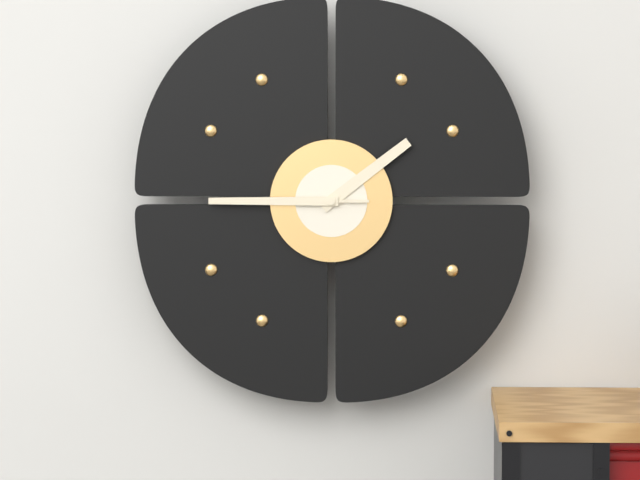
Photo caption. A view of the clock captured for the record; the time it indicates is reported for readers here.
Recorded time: 1:45
